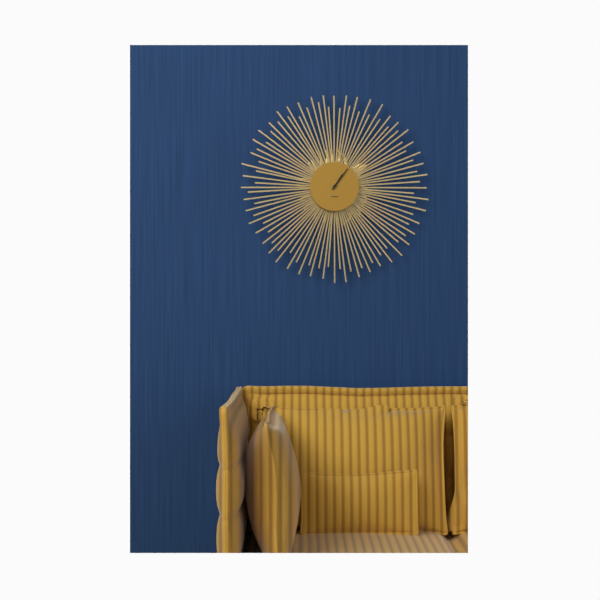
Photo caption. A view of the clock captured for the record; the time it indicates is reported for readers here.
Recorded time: 1:06
